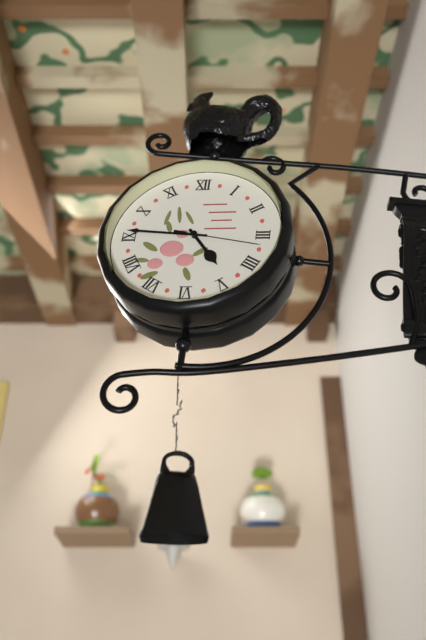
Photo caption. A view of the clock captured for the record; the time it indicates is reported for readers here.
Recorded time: 4:46:17
